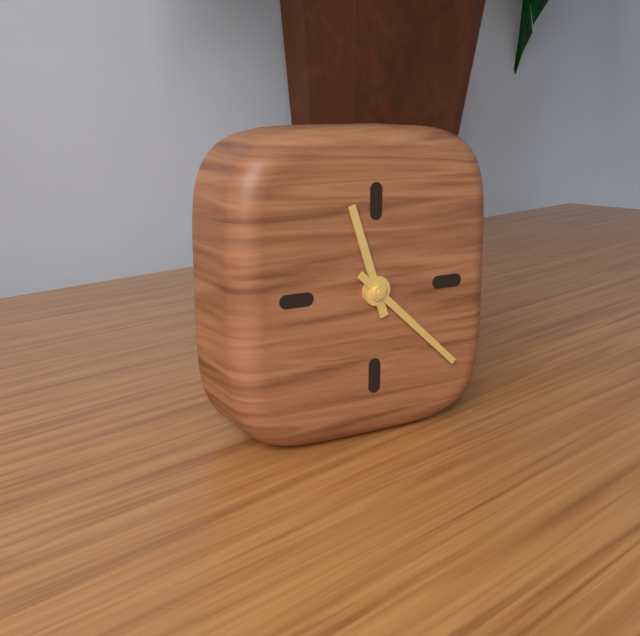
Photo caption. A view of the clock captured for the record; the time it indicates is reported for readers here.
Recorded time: 11:22
